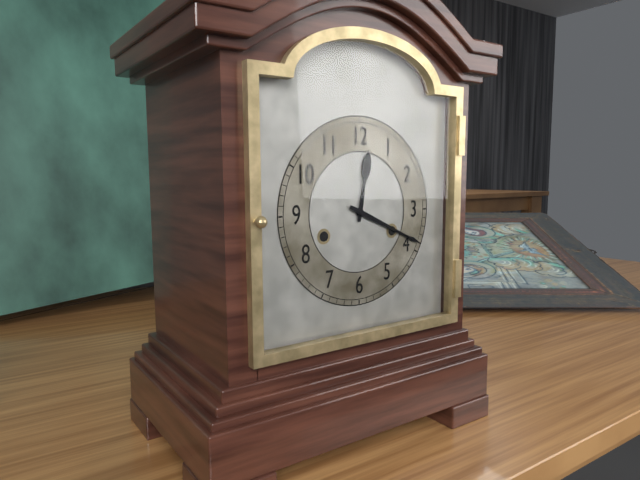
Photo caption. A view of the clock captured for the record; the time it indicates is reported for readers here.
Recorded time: 12:19
